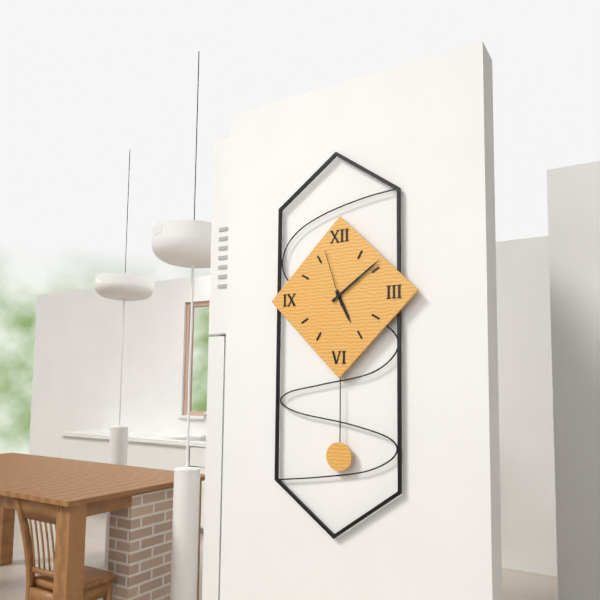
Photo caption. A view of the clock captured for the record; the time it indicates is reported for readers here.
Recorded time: 5:09:57
